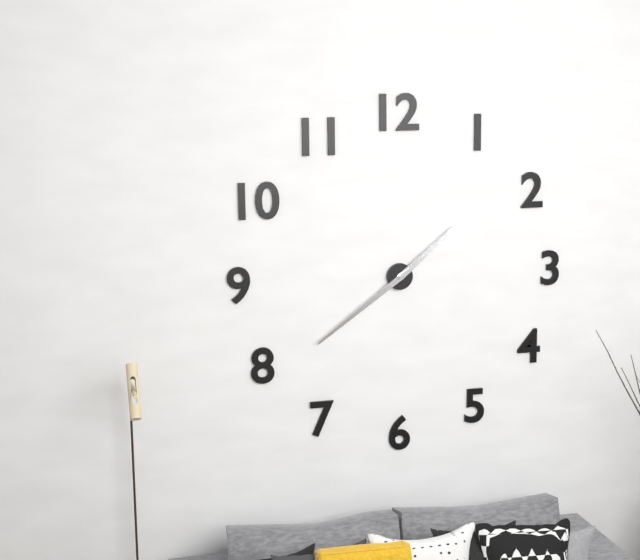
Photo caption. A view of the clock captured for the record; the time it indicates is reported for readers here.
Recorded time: 1:39
